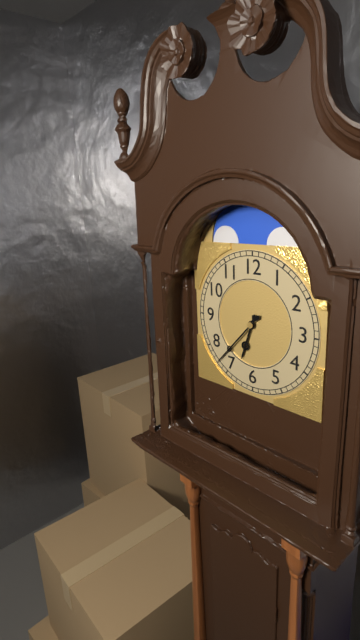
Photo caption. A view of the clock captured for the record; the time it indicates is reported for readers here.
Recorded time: 6:37
